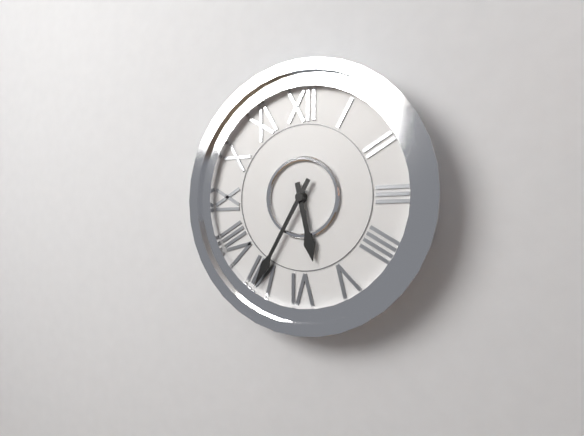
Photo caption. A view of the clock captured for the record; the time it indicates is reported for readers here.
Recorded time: 5:35
